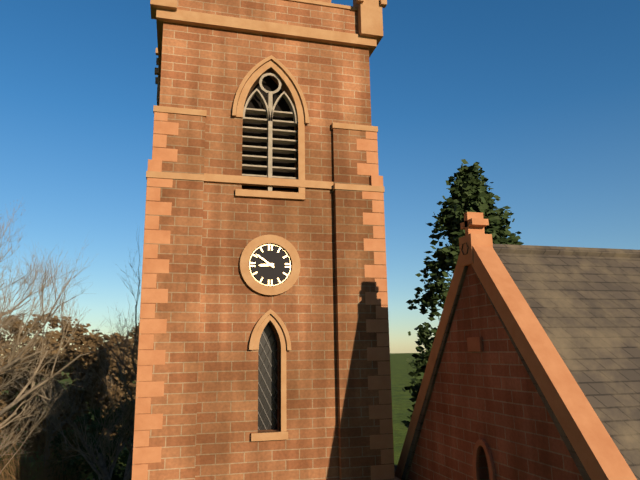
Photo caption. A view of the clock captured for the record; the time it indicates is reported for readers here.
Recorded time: 8:51
